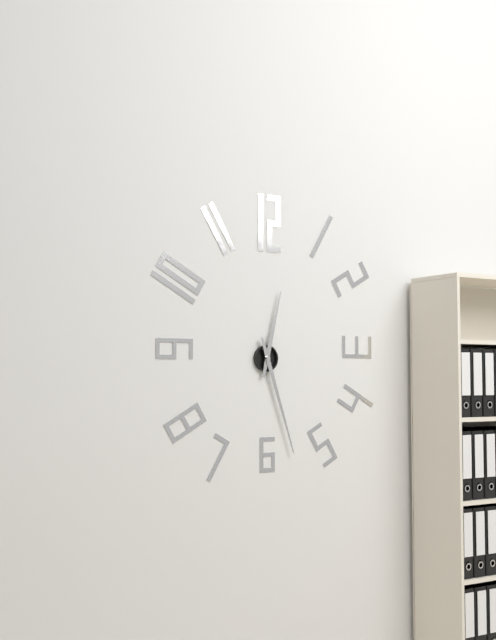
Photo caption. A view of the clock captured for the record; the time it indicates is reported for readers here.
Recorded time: 12:27
